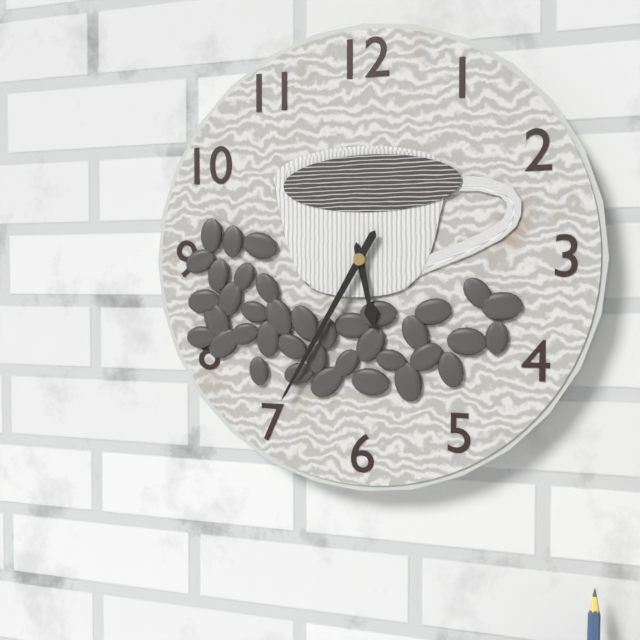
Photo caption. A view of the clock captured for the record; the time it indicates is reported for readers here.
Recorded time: 5:35
